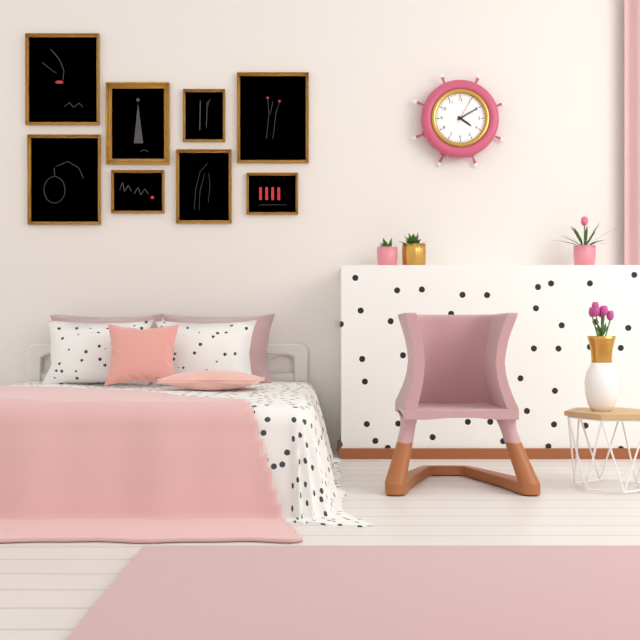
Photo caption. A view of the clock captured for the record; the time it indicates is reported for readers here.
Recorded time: 4:10
